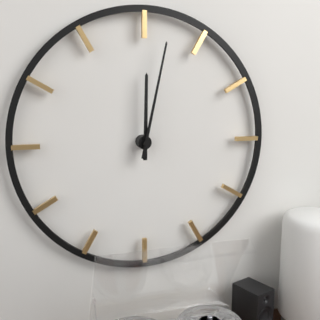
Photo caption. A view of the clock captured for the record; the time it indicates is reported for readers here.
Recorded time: 12:02
